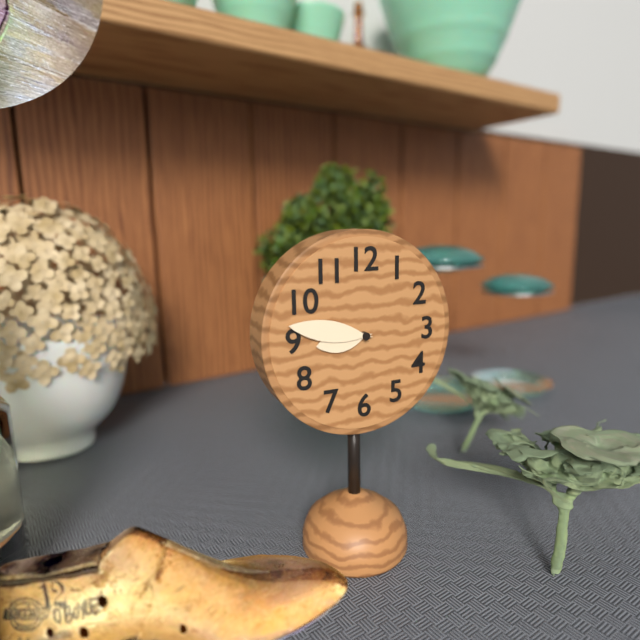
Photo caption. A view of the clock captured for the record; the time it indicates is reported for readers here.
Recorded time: 8:47
